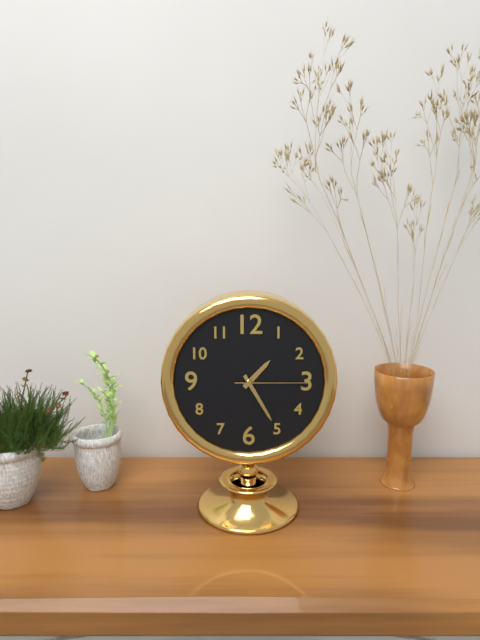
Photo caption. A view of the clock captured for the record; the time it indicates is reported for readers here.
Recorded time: 1:25:15
